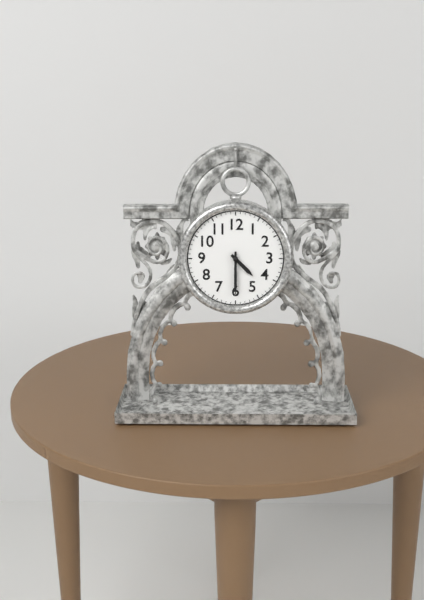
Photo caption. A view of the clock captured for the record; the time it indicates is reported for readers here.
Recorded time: 4:30
